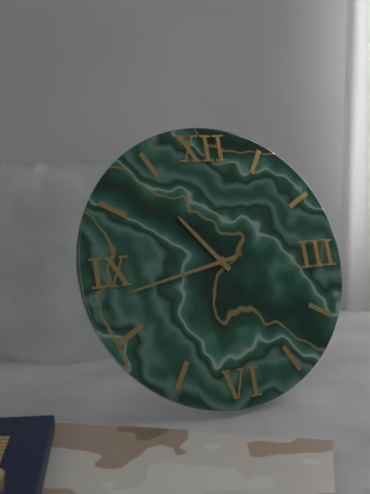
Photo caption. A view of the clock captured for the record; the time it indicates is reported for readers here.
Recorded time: 10:43
